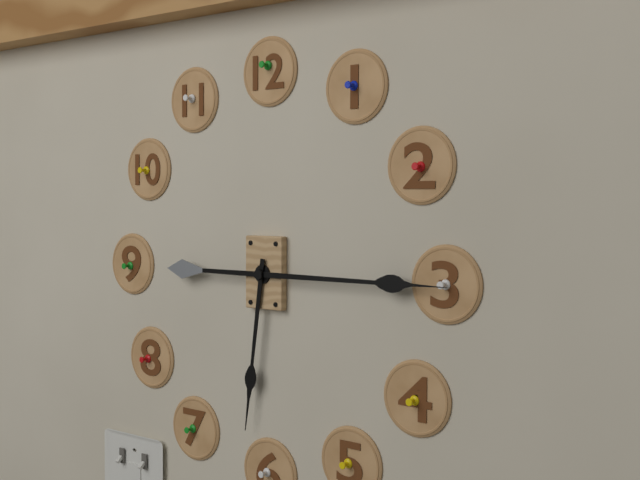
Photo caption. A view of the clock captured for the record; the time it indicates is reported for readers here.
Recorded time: 6:15
